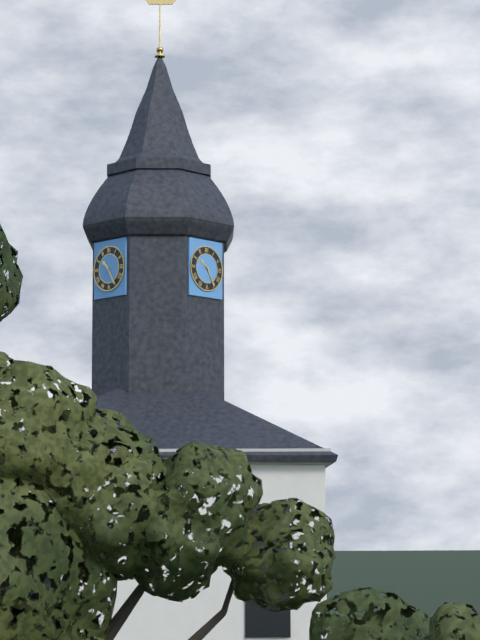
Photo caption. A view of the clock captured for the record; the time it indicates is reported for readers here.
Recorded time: 10:25
